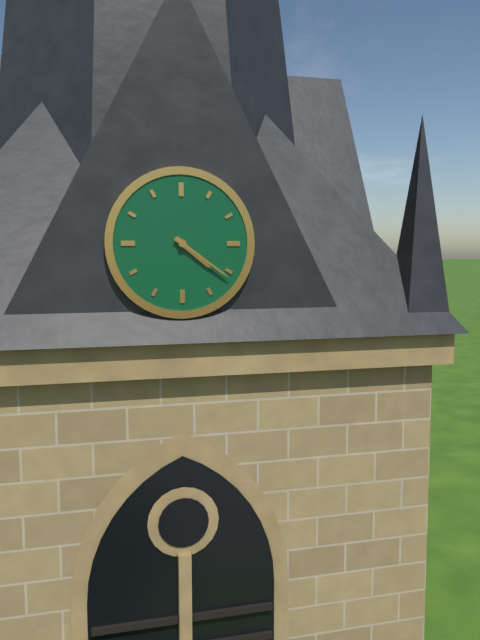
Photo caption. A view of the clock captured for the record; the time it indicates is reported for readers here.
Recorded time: 4:21
